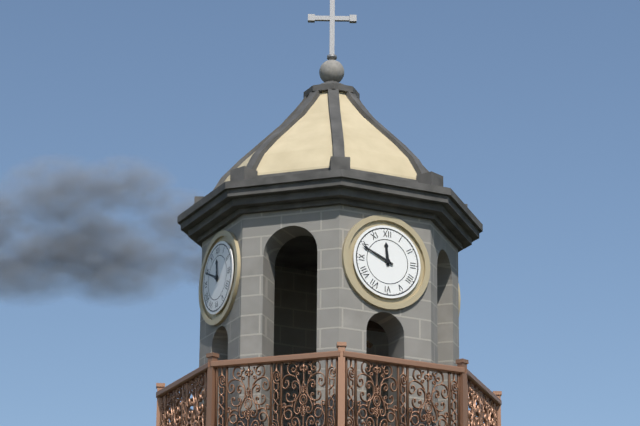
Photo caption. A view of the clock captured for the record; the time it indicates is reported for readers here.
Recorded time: 11:49
